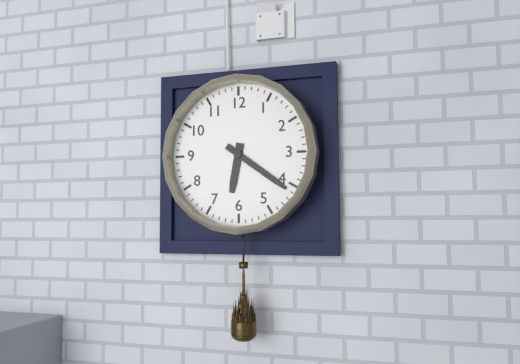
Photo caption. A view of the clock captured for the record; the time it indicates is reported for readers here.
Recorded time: 6:21
